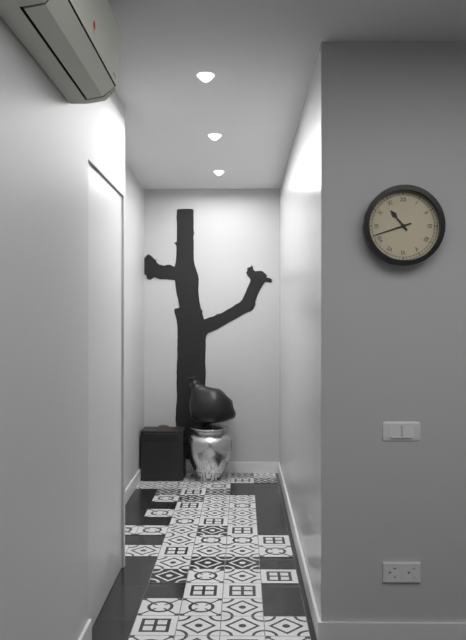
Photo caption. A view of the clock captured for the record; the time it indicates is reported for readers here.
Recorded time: 10:42
